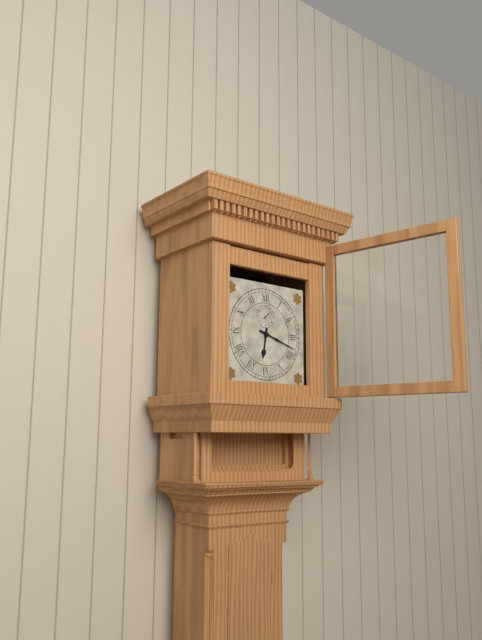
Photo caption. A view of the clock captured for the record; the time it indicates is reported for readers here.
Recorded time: 6:18
